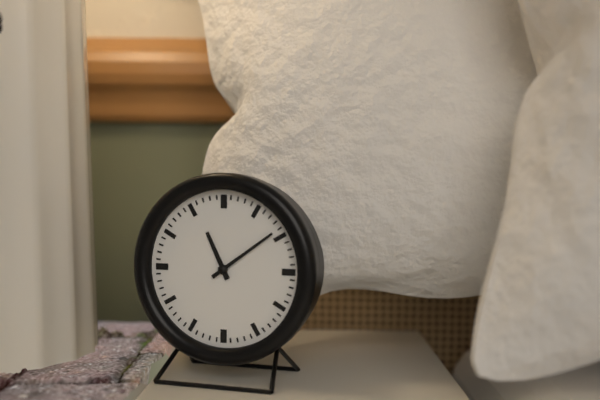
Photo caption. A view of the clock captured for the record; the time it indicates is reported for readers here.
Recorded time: 11:09
